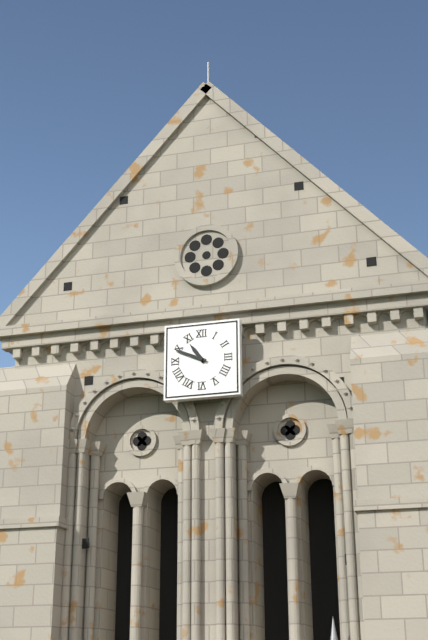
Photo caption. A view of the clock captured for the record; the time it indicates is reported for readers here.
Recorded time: 10:49
